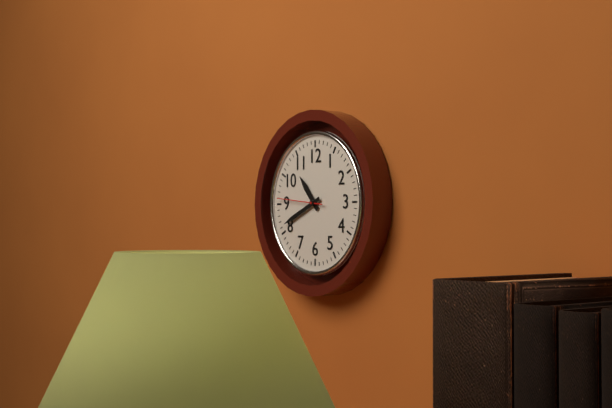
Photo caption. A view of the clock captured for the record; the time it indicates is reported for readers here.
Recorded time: 10:41
